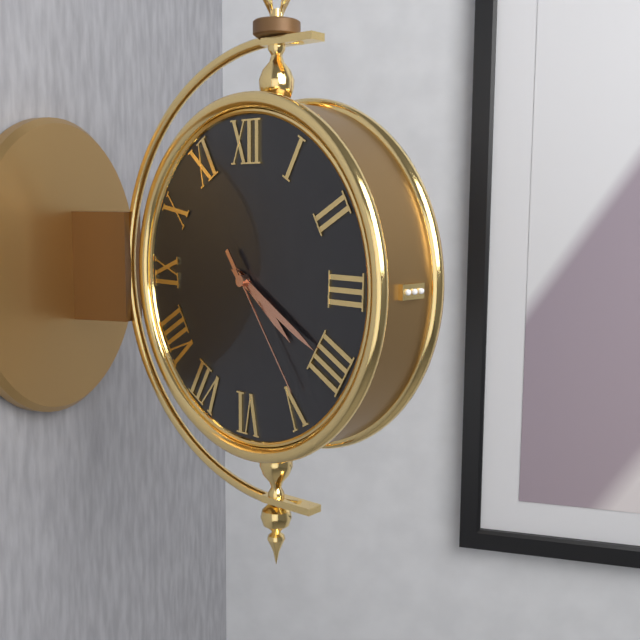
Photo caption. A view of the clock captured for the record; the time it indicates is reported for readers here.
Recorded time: 4:20:24
